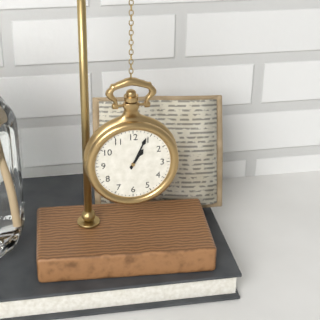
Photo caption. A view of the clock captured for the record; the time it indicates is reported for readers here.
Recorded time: 1:04
